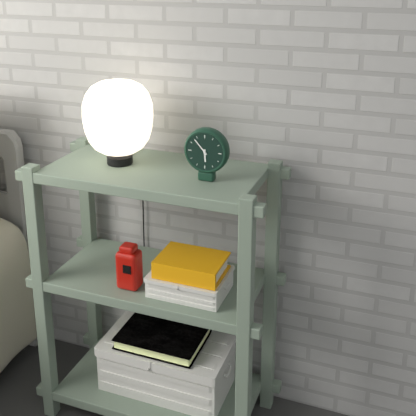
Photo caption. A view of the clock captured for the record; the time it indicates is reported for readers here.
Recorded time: 5:53
